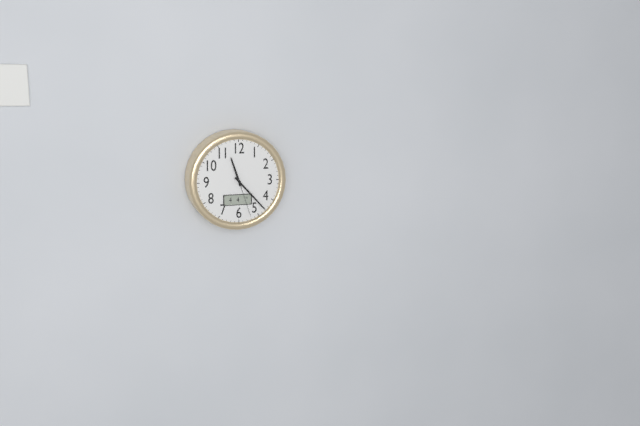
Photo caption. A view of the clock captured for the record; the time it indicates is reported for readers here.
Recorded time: 11:23
